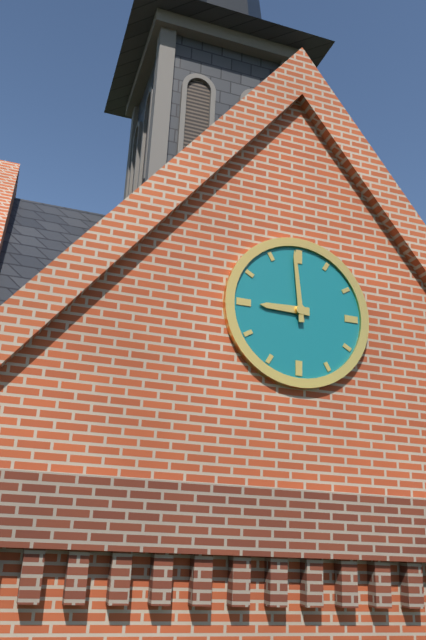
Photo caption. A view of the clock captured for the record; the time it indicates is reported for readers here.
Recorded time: 8:59
